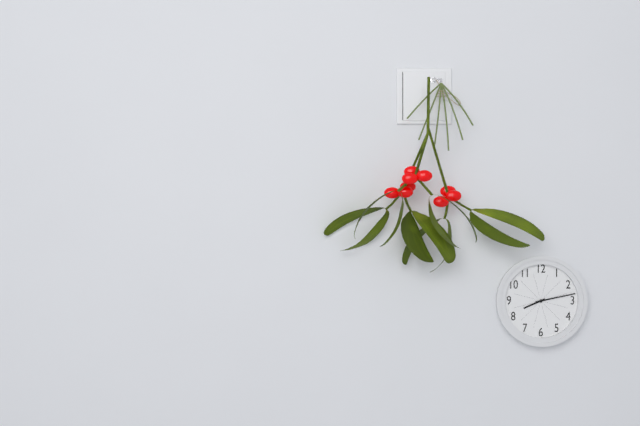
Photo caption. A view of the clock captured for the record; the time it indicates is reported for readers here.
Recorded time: 8:13
